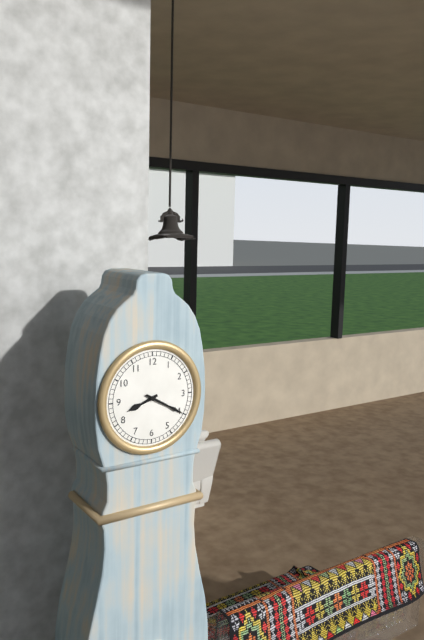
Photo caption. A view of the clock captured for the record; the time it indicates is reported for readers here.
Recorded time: 8:20
